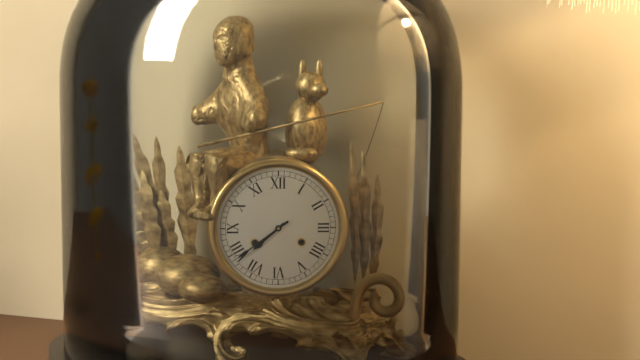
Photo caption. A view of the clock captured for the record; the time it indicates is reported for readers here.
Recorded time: 7:39
